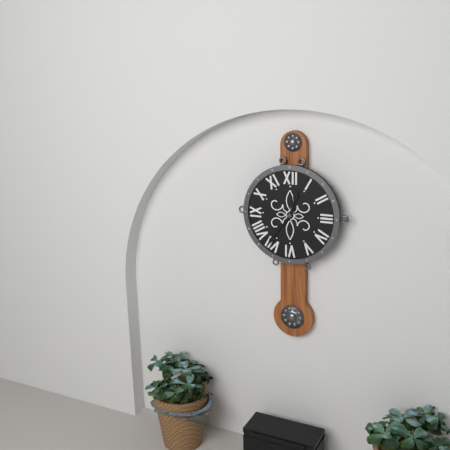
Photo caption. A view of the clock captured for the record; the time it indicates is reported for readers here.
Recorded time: 12:36
